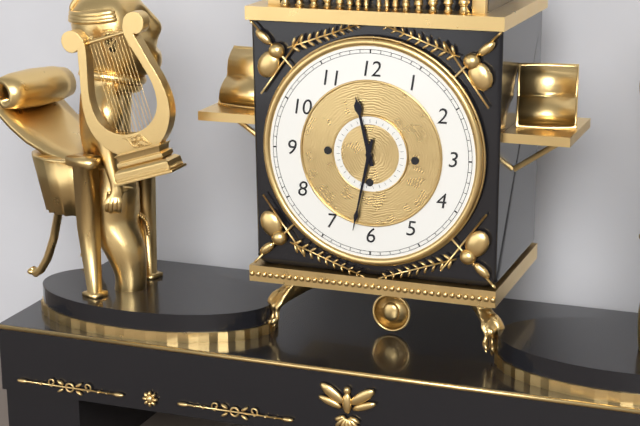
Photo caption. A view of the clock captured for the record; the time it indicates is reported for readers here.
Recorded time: 11:32
